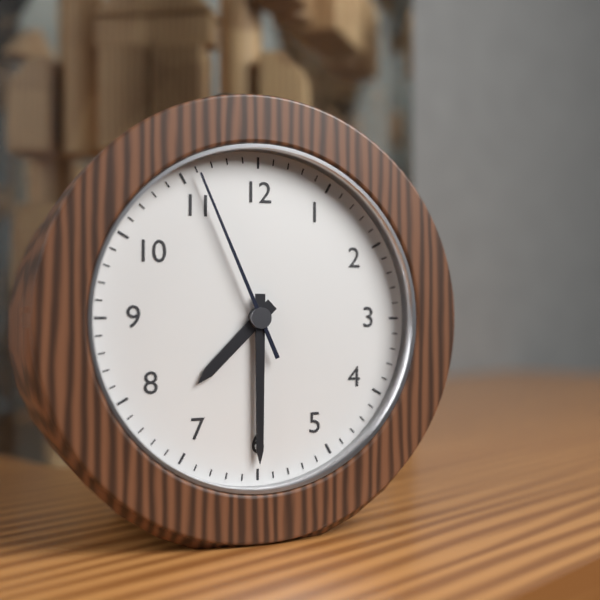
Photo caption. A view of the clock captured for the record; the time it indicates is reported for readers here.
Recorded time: 7:30:56
